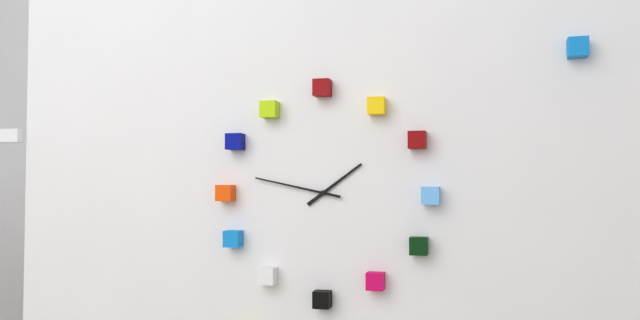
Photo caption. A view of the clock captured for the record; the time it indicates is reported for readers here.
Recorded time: 1:47
